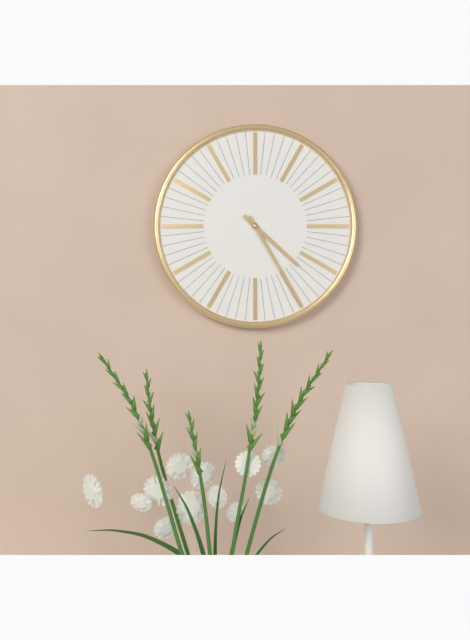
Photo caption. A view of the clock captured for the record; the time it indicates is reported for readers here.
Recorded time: 4:25
